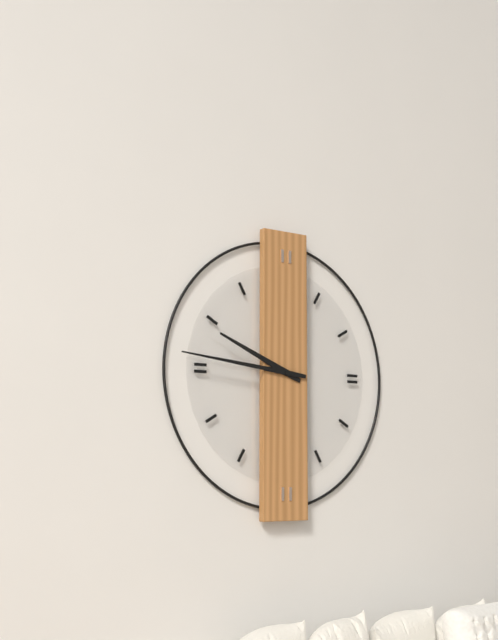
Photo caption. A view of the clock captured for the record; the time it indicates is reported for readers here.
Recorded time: 9:46
